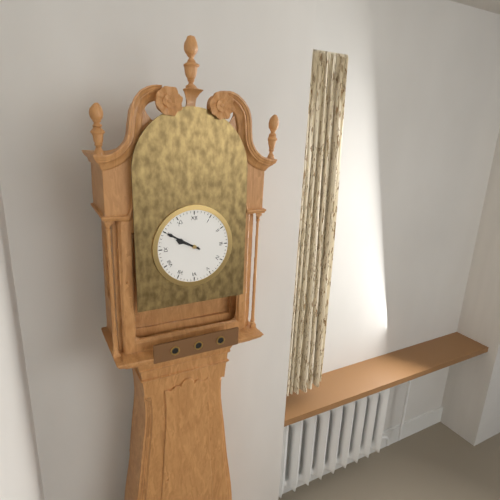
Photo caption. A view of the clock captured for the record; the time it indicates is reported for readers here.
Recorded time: 9:50
